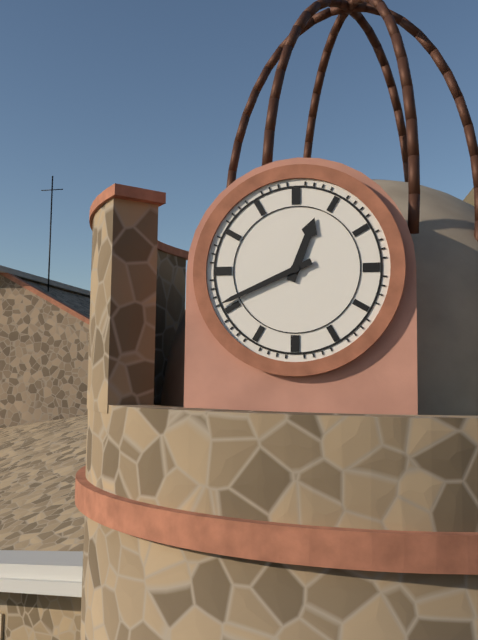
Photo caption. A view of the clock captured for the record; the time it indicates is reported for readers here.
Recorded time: 12:41
